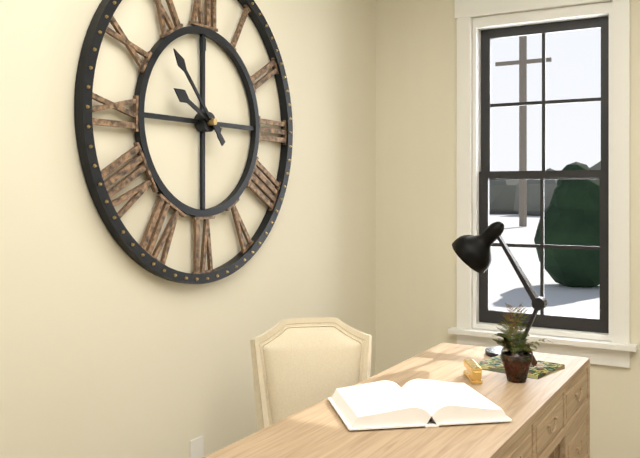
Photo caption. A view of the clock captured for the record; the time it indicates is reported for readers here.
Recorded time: 9:53
